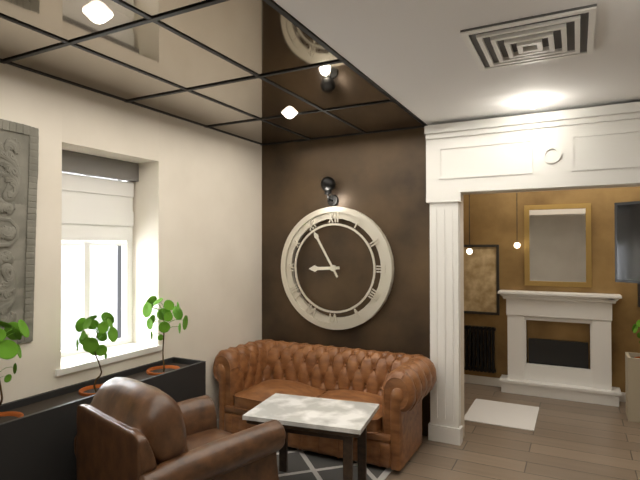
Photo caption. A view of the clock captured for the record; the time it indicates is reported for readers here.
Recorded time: 8:55
